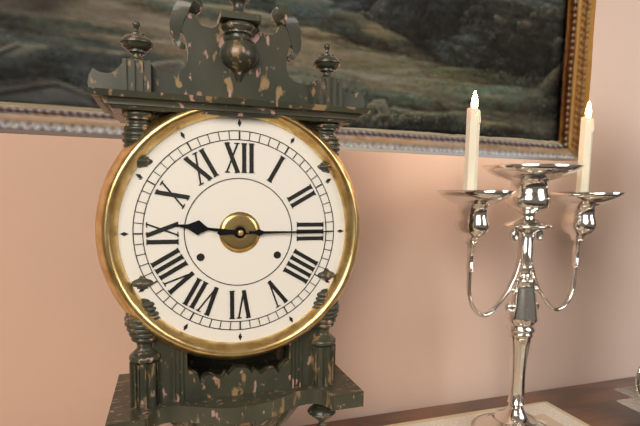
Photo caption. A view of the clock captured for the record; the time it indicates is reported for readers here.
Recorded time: 9:15
